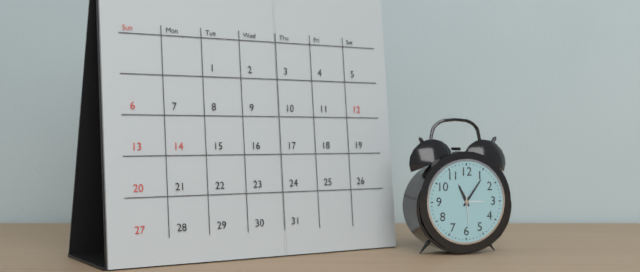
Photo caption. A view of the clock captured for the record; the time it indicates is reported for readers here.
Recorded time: 11:06
